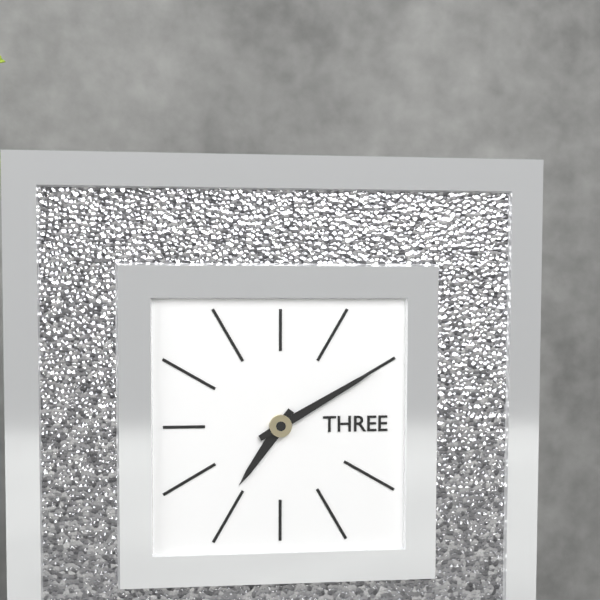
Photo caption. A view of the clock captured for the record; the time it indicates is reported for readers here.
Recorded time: 7:10
